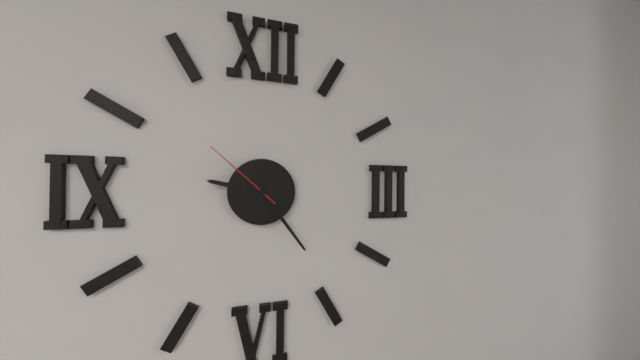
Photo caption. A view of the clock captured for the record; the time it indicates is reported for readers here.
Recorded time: 9:24:52
